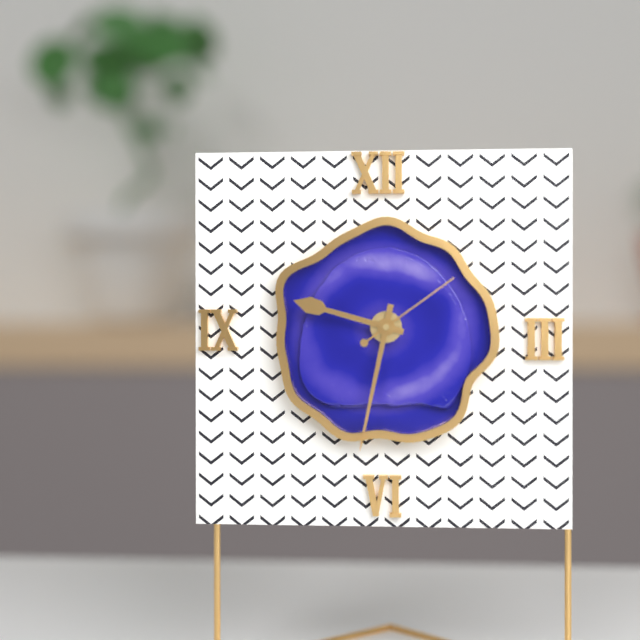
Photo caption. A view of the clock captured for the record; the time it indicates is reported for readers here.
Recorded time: 9:32:09
